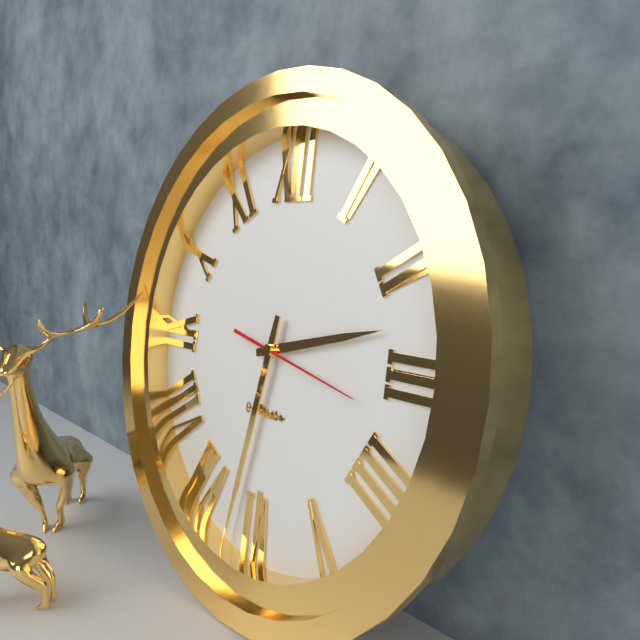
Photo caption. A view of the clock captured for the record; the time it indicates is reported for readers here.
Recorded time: 2:32:17
